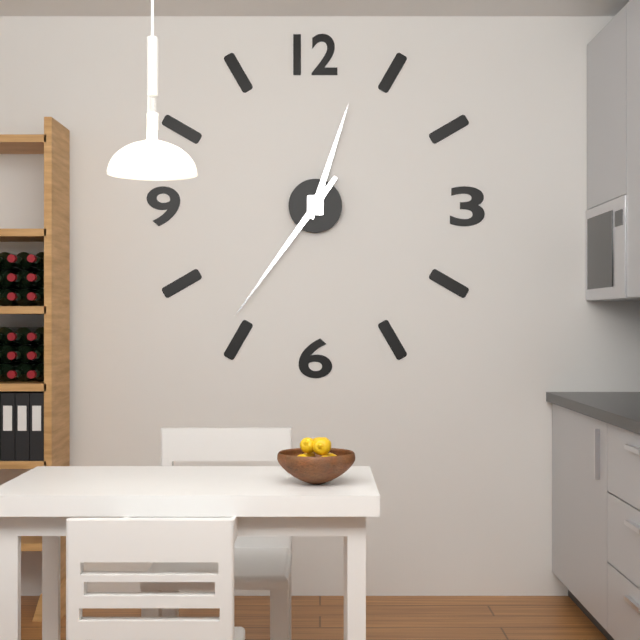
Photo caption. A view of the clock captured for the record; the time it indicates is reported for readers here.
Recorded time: 12:36
